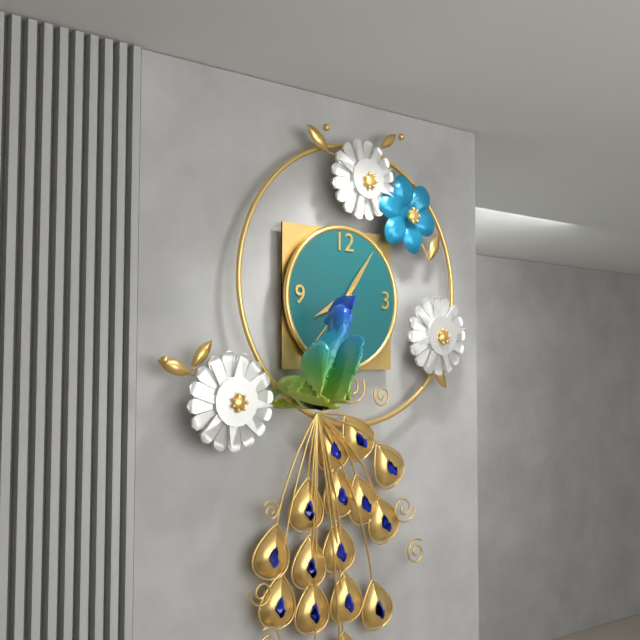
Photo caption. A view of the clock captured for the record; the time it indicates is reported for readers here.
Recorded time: 8:06:37
